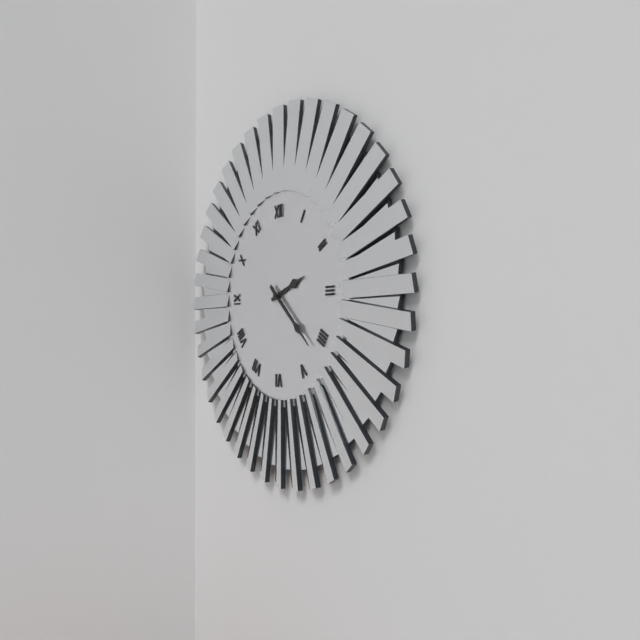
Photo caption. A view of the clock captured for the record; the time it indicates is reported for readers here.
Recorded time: 2:22
